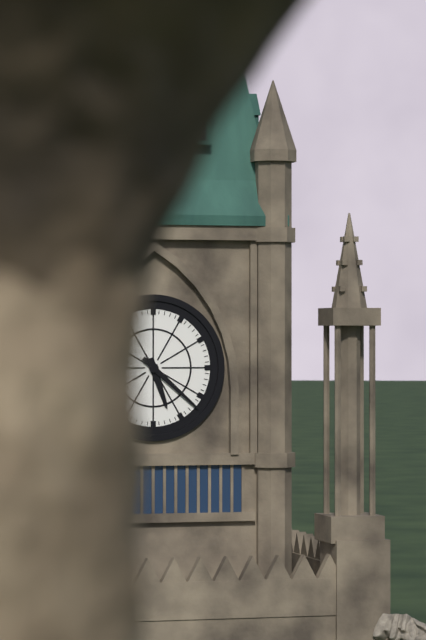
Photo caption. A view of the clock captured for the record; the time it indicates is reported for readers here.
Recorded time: 5:22
